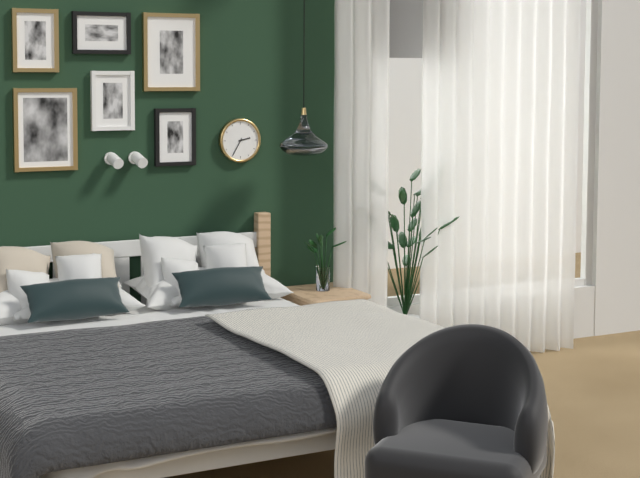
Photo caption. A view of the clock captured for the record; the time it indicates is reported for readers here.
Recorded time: 2:35
